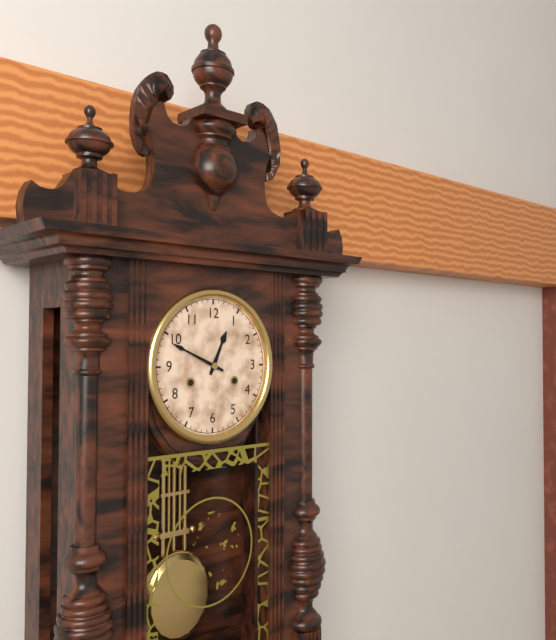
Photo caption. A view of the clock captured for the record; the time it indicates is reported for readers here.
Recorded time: 12:49
